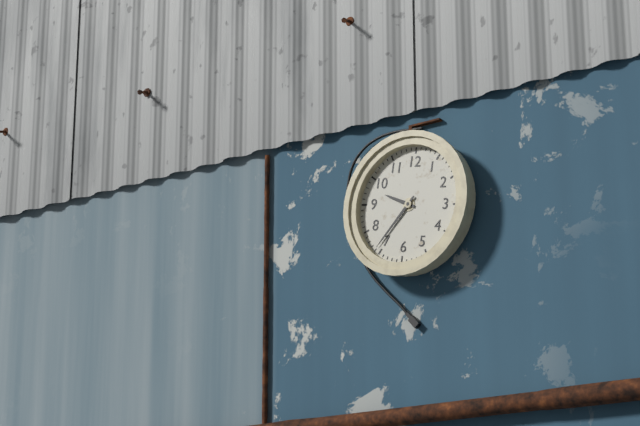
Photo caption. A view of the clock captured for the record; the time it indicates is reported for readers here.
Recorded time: 9:36
